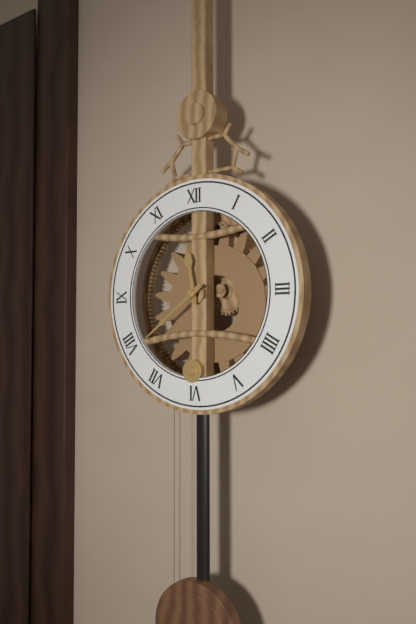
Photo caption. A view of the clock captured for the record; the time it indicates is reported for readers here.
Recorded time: 11:39
